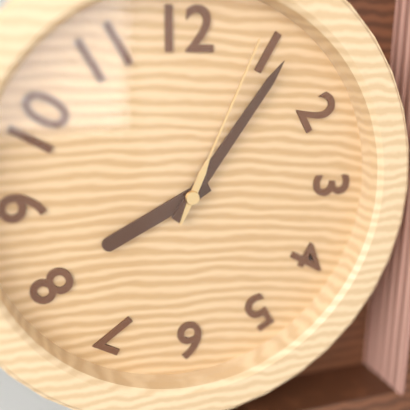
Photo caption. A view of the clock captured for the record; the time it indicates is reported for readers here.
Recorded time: 8:06:04
